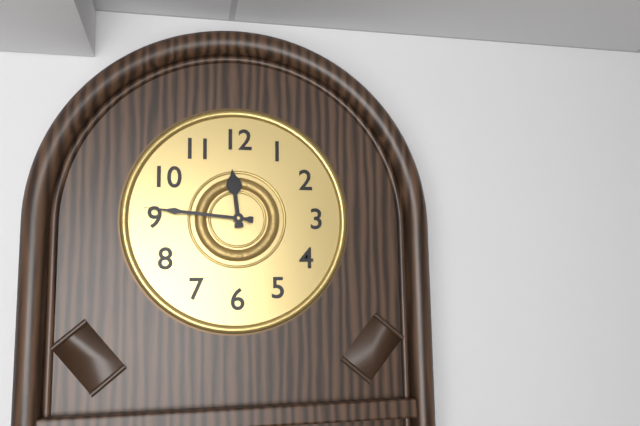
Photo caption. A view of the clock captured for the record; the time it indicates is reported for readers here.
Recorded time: 11:46
